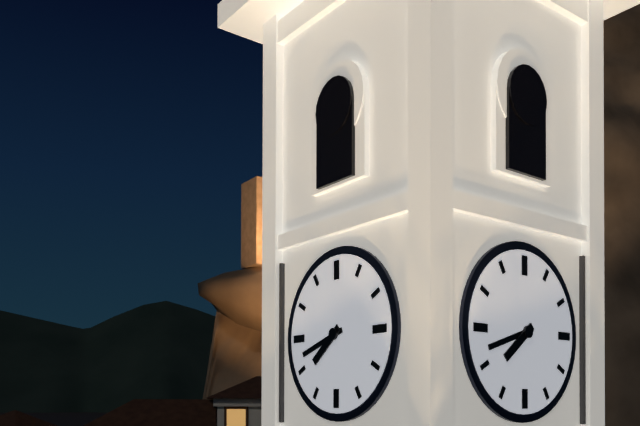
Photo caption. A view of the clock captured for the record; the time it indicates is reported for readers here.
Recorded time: 7:42
